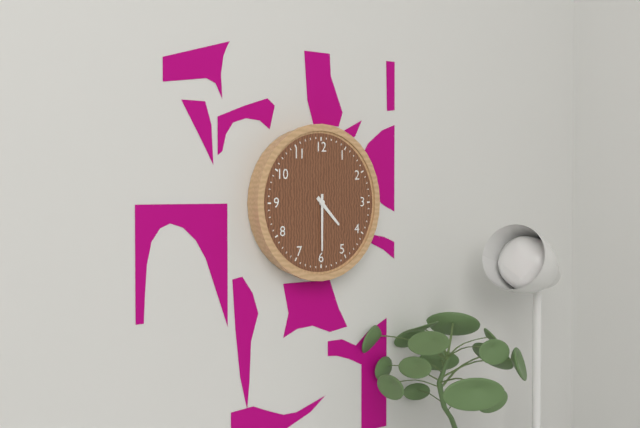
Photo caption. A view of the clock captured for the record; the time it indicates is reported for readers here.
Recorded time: 4:30
